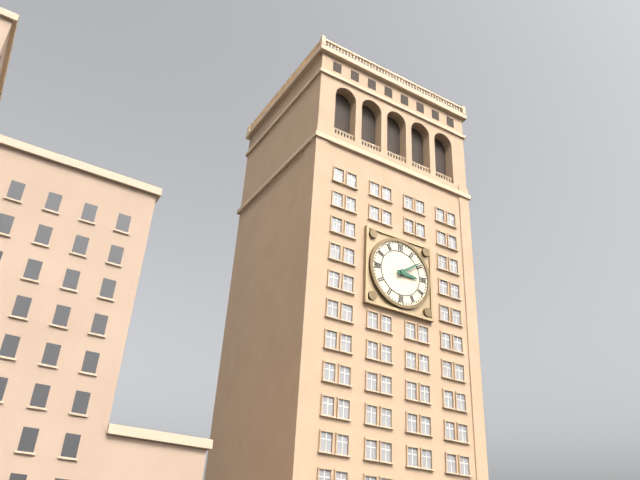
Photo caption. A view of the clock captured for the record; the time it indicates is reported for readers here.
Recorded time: 3:09
